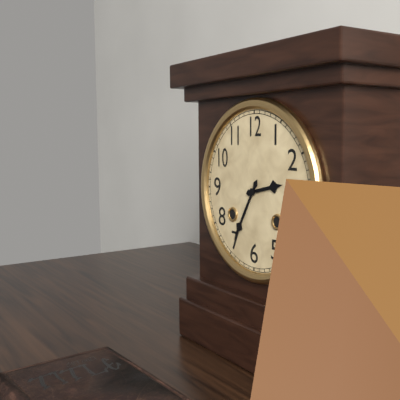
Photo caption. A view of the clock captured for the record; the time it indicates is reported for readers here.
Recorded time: 2:35
